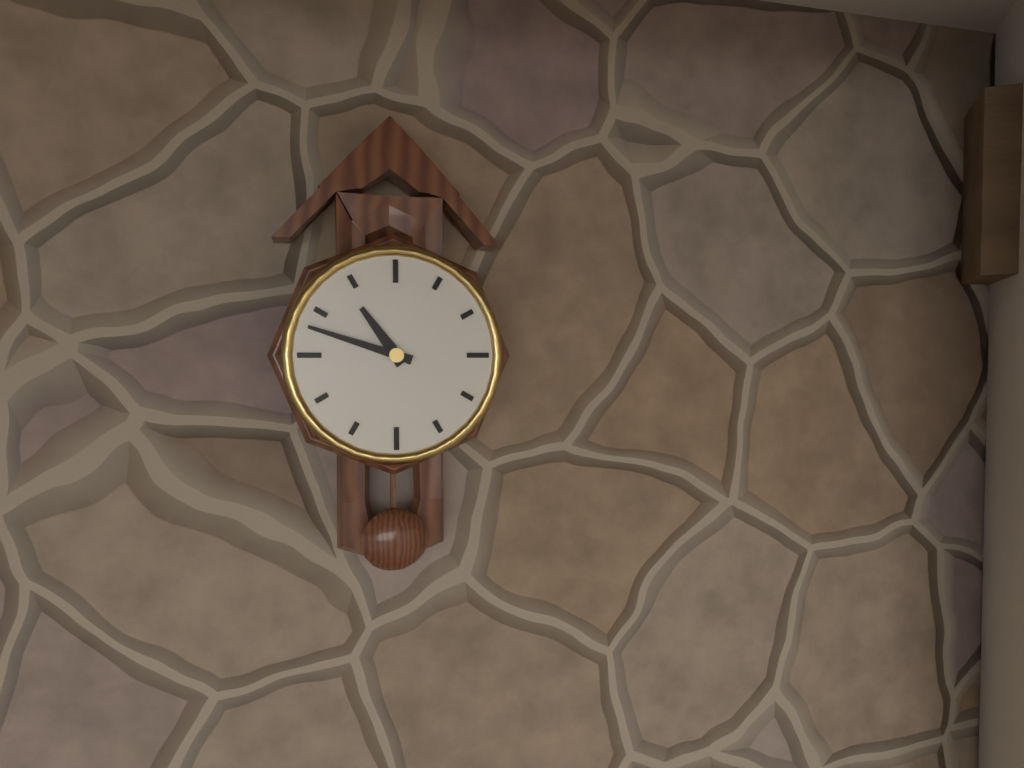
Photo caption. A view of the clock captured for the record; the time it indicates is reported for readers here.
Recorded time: 10:48
